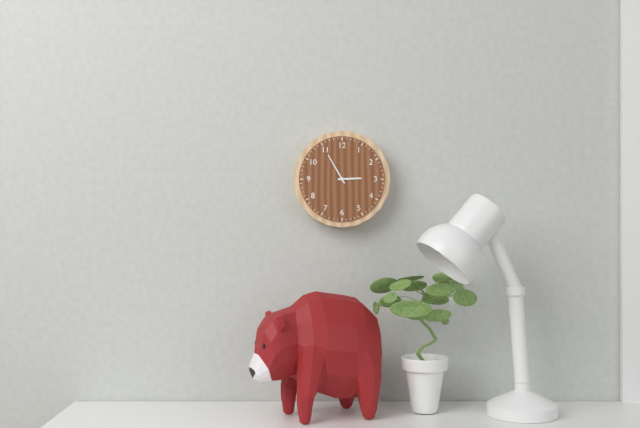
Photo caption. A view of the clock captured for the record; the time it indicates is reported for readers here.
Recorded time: 2:55
